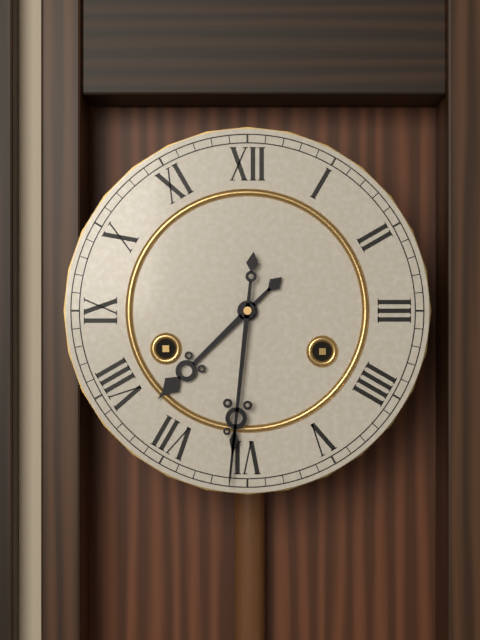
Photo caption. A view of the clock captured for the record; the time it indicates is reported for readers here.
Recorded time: 7:31
